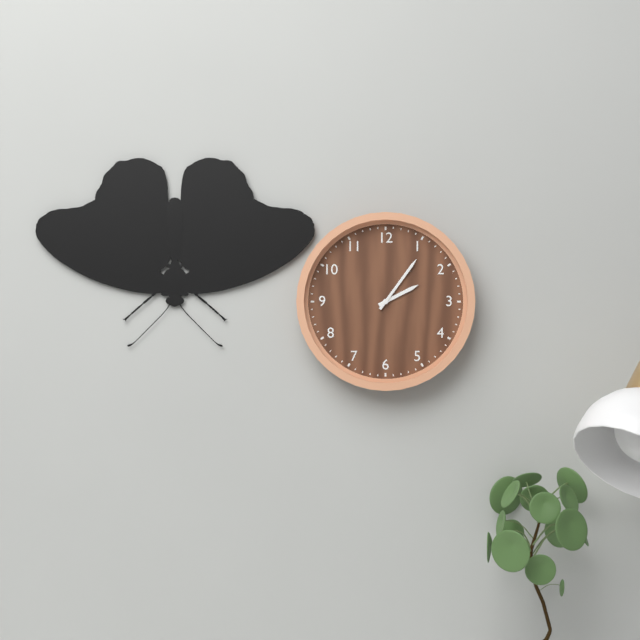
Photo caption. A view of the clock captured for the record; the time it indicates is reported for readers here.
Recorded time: 2:06
